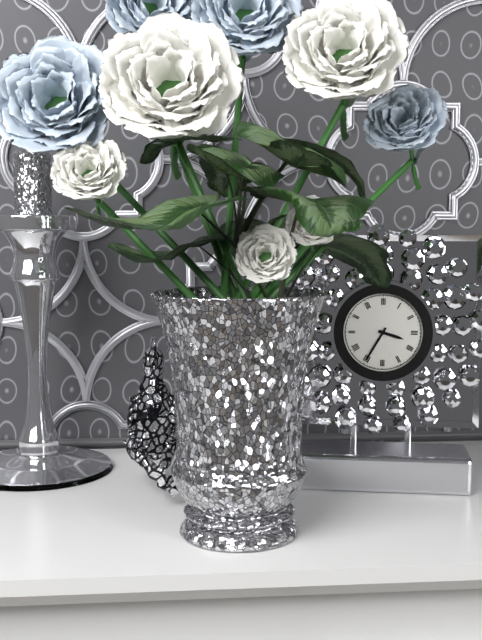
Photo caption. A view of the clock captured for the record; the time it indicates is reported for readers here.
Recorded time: 3:35
